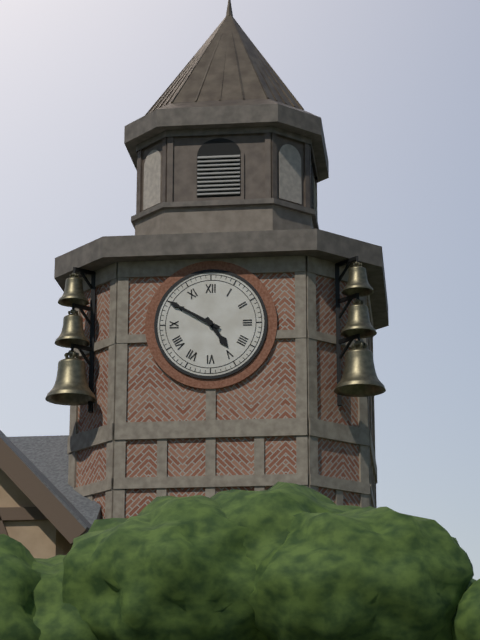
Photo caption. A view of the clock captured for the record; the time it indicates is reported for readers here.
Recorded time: 4:50
